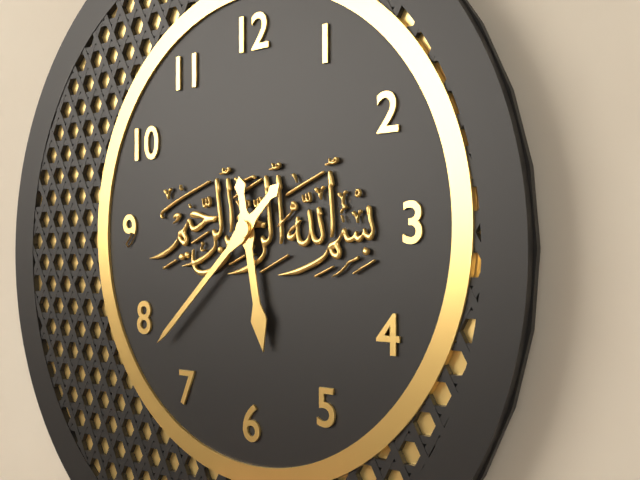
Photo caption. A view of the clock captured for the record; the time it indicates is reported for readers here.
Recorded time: 5:38
